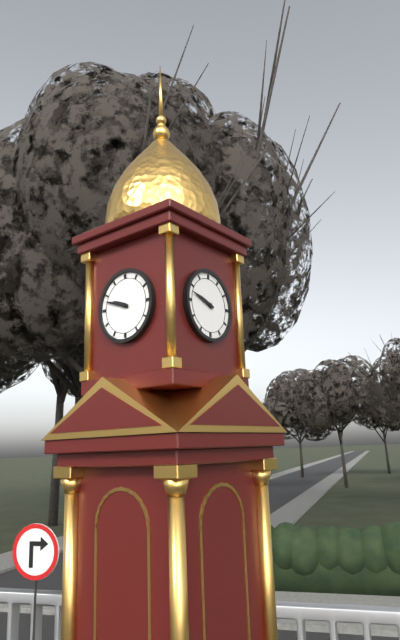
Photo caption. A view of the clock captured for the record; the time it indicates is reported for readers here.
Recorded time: 9:48
